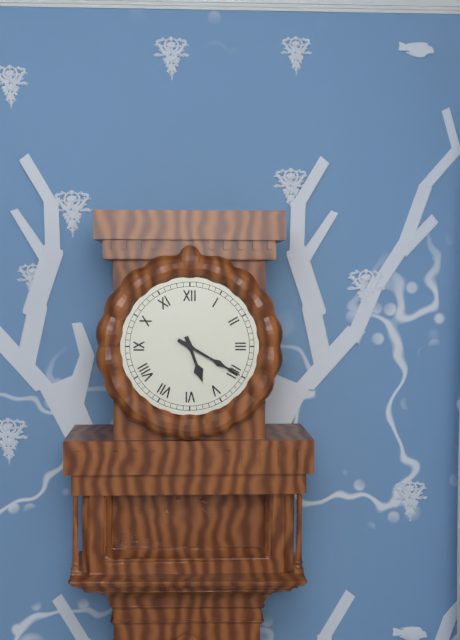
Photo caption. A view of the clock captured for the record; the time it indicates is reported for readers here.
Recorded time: 5:20
